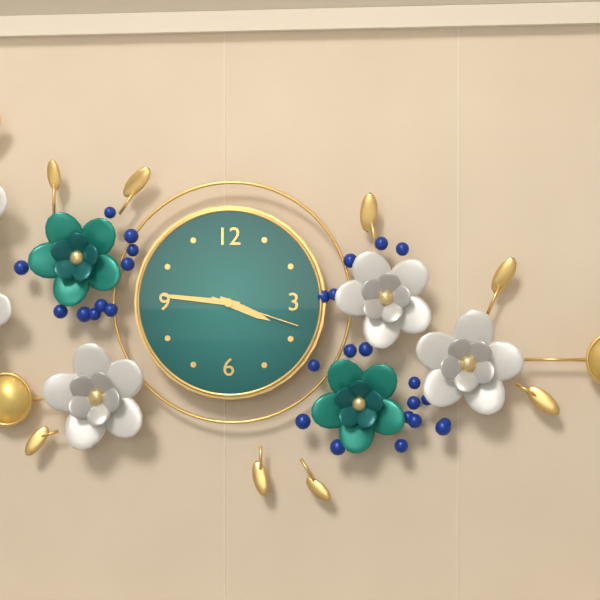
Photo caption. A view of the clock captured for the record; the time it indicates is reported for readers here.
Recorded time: 3:46:18
